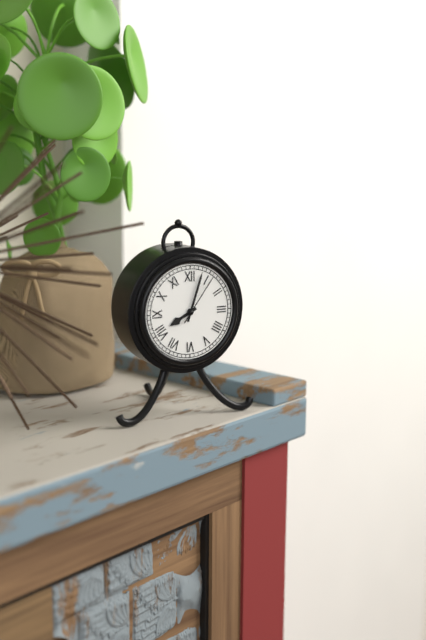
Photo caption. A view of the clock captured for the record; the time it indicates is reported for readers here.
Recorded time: 8:03:06
